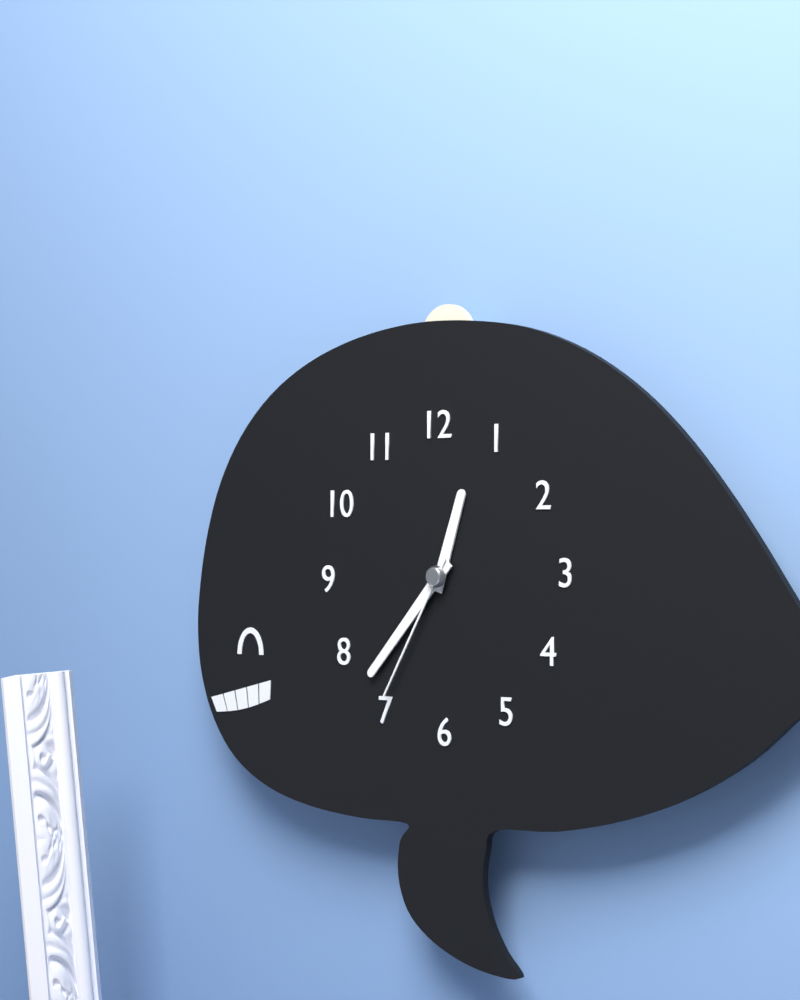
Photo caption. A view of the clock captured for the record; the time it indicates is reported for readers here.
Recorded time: 12:37:35
